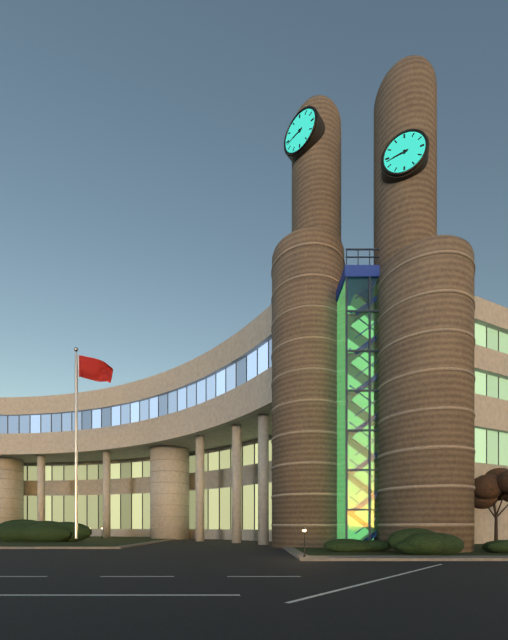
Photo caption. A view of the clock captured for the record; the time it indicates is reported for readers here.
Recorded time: 8:43
